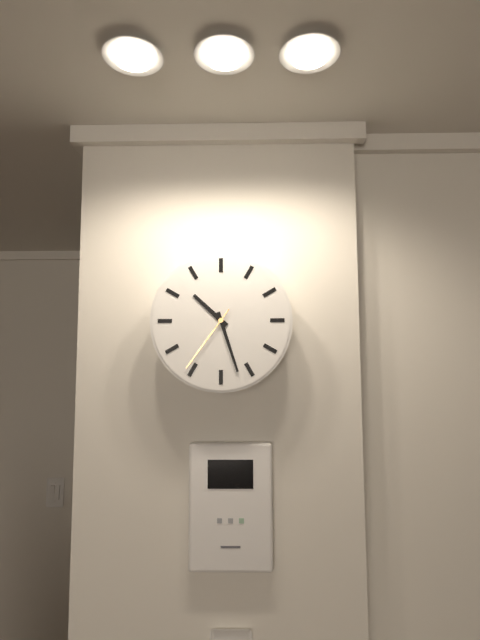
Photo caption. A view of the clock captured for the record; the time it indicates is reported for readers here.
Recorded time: 10:27:36
